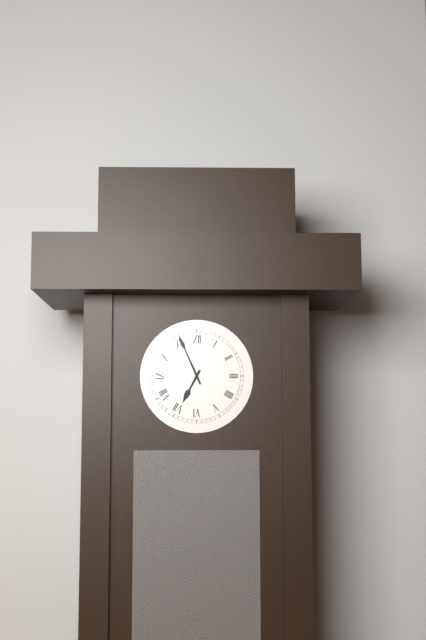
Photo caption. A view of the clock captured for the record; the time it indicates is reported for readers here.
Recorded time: 6:56
